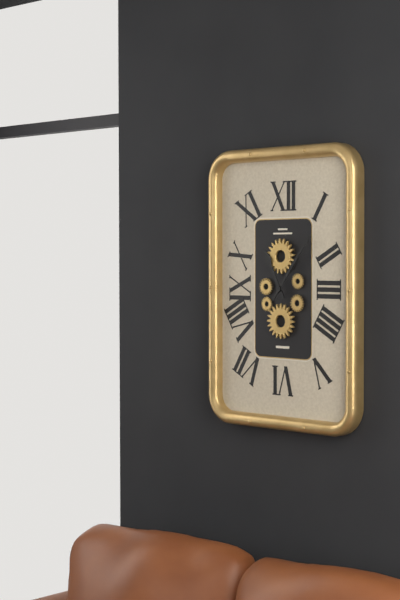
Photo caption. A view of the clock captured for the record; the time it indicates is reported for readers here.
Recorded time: 11:06
